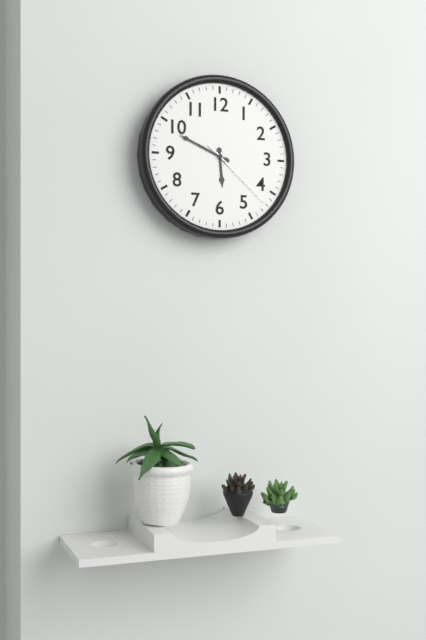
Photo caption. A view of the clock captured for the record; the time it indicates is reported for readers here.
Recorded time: 5:49:22
